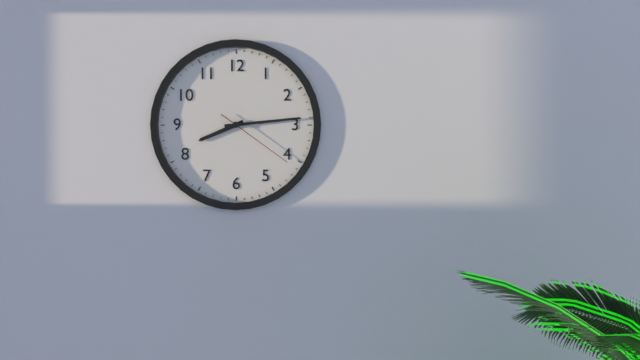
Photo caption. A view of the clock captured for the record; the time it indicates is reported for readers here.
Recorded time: 8:14:21
